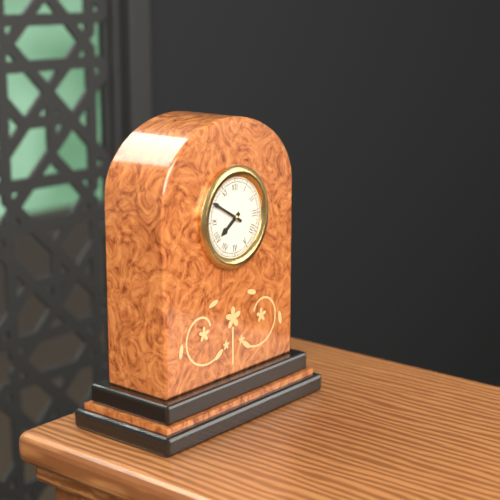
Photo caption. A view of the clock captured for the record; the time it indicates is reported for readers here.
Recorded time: 7:50
